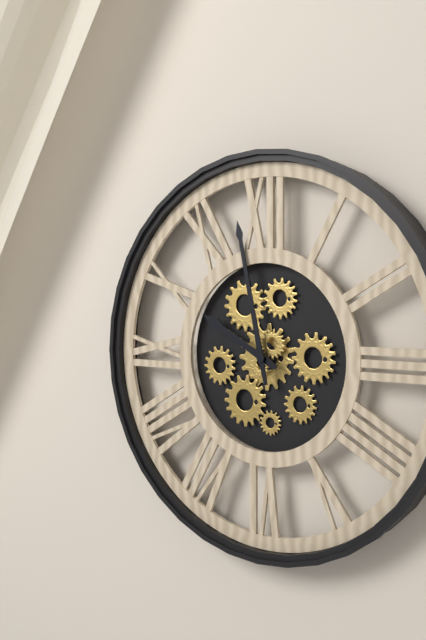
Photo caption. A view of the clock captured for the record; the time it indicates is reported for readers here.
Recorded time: 9:58
